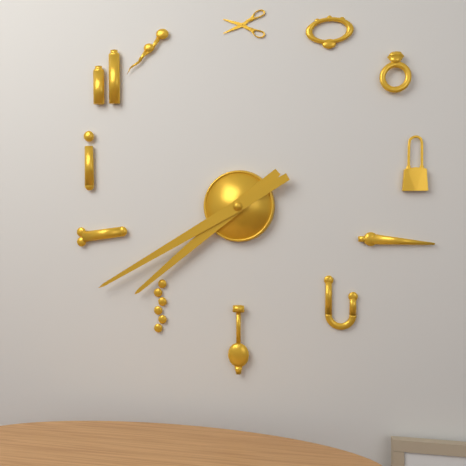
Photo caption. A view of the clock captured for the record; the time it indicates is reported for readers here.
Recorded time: 7:40
